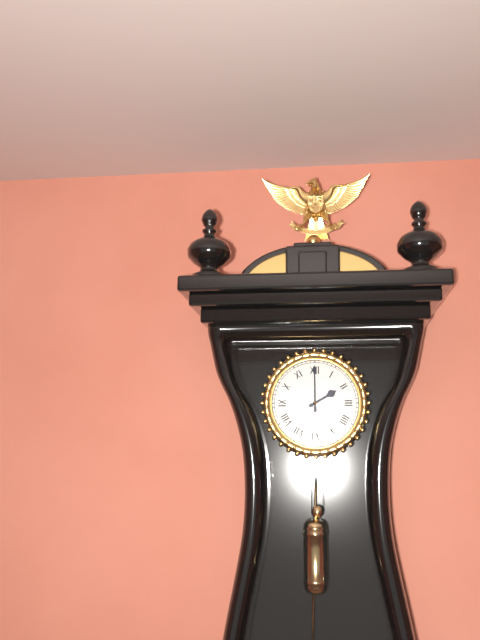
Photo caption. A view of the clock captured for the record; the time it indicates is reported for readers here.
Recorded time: 2:00
